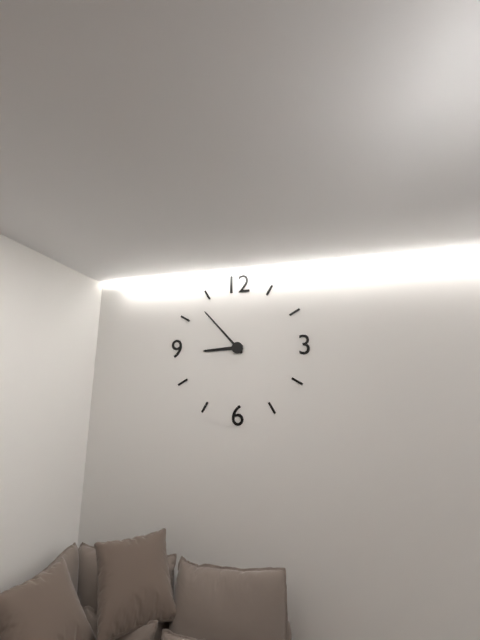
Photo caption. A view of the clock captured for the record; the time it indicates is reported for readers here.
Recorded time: 8:53
